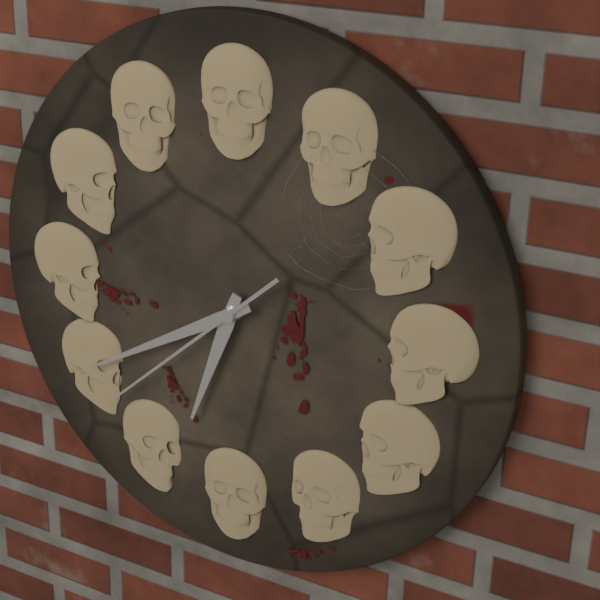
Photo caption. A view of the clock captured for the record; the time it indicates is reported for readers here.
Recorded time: 6:40:38
